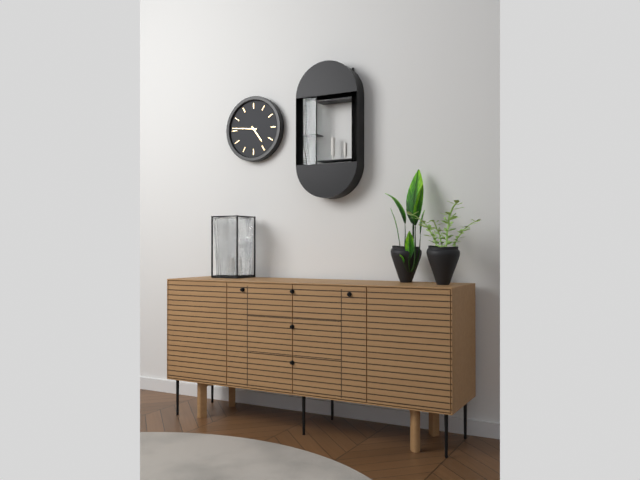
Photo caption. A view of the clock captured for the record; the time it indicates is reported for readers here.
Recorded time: 4:46
